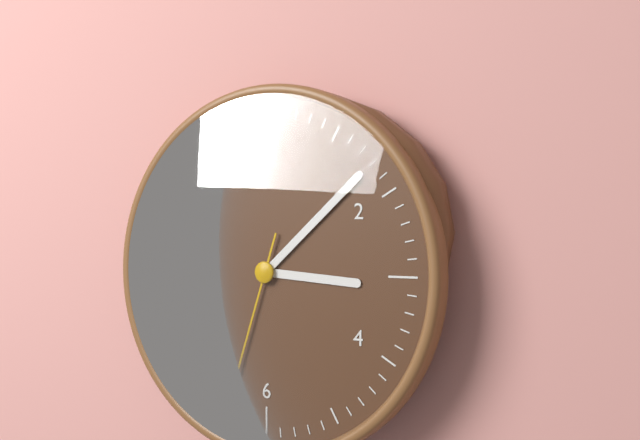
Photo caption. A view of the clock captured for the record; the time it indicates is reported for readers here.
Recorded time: 3:08:33
